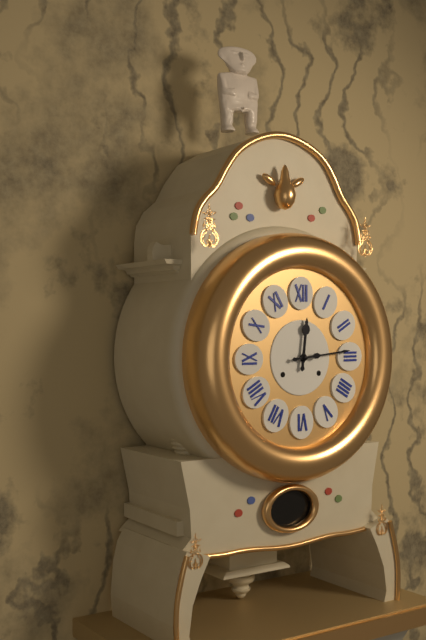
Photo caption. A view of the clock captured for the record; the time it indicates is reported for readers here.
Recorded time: 12:14
